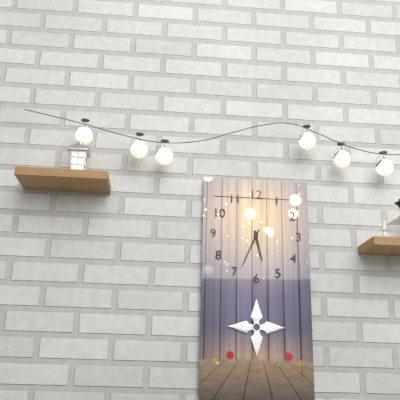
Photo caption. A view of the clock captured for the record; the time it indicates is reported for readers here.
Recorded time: 5:34
